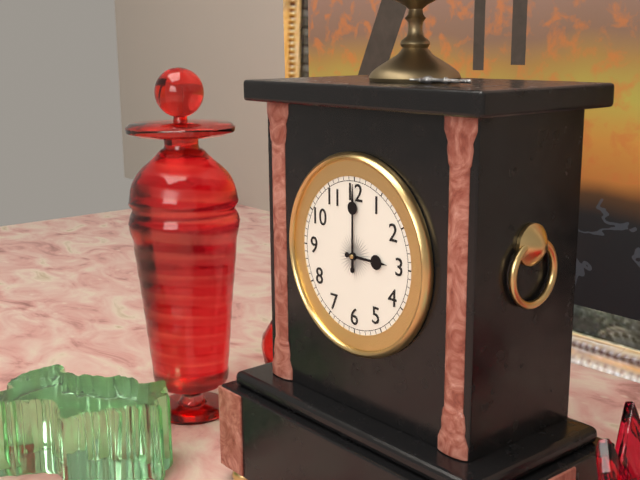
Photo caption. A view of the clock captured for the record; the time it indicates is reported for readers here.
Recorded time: 3:00
